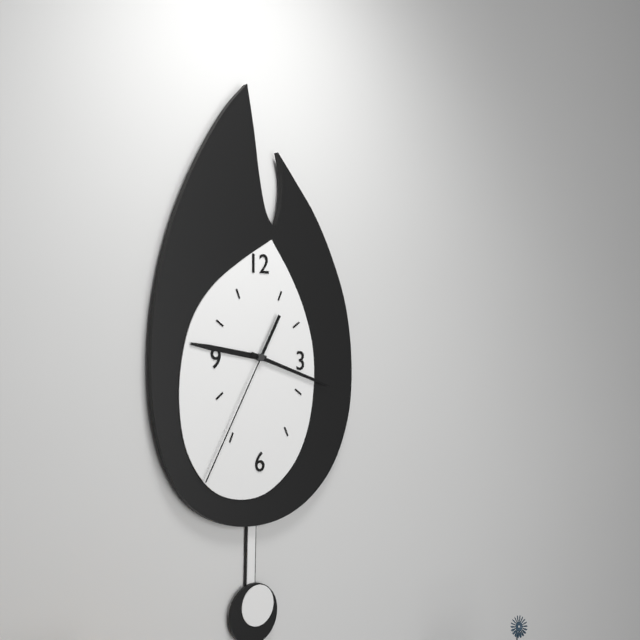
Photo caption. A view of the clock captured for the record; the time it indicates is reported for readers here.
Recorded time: 9:18:35
